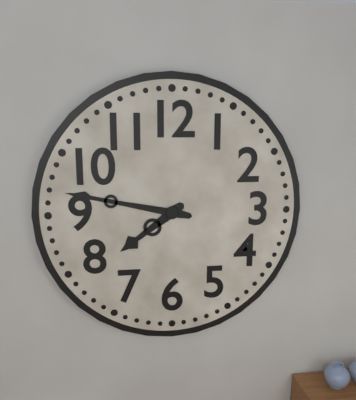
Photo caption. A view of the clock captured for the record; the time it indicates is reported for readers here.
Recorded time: 7:47
